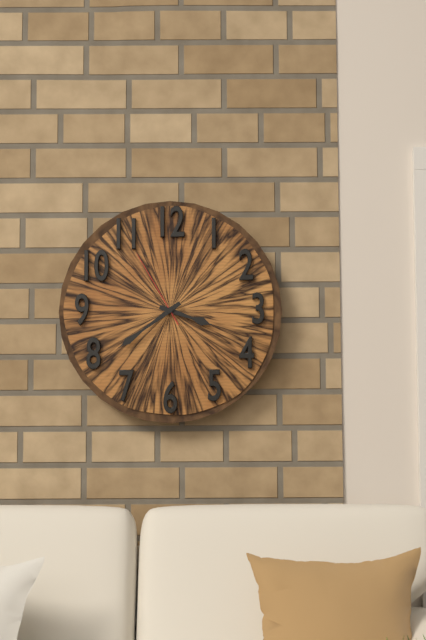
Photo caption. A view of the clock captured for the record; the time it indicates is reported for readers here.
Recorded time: 3:39:55
